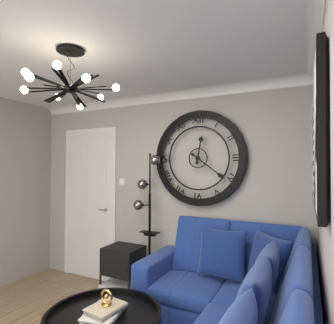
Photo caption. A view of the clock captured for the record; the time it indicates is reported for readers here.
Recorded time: 12:21
